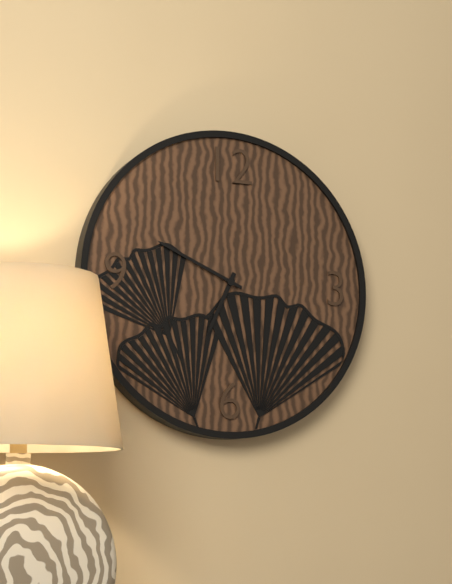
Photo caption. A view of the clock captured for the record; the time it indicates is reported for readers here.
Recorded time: 6:49
